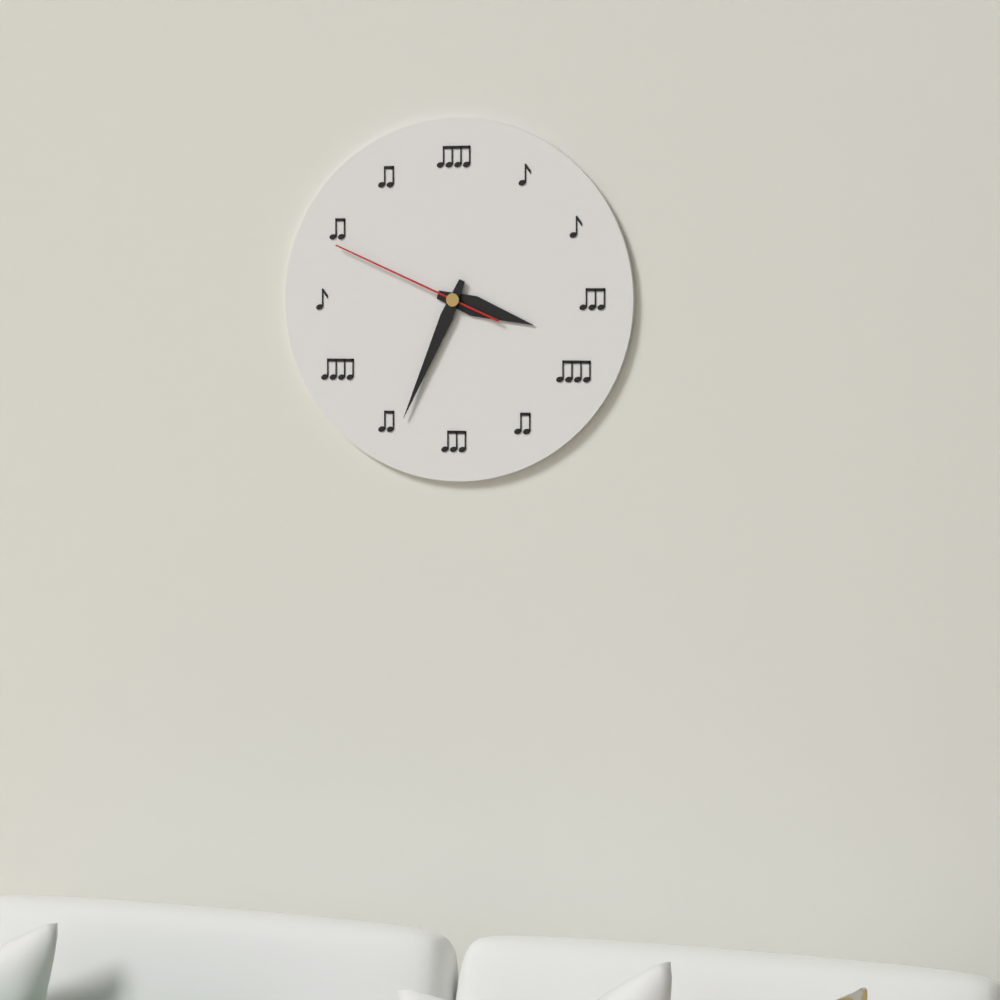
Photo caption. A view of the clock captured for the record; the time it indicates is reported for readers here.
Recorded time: 3:34:49
